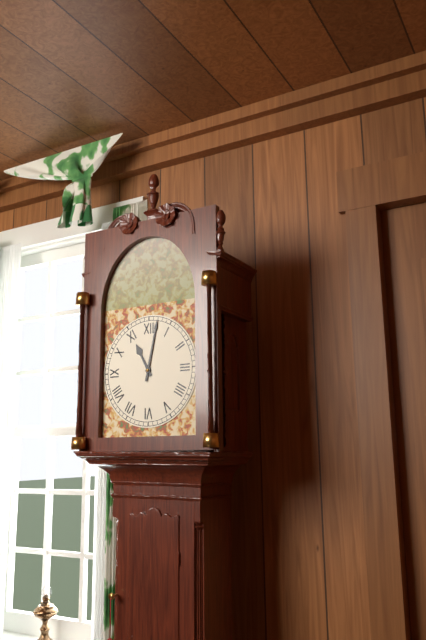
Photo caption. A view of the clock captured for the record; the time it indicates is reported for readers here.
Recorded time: 11:02
